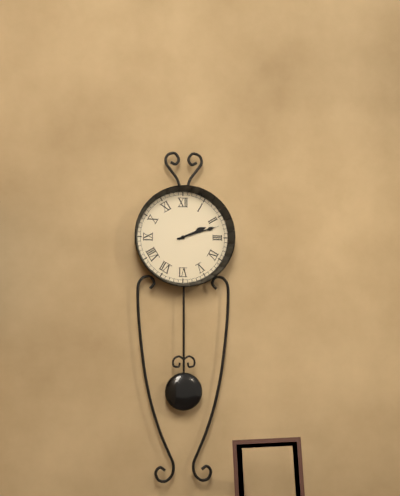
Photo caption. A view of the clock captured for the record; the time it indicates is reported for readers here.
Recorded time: 2:12
